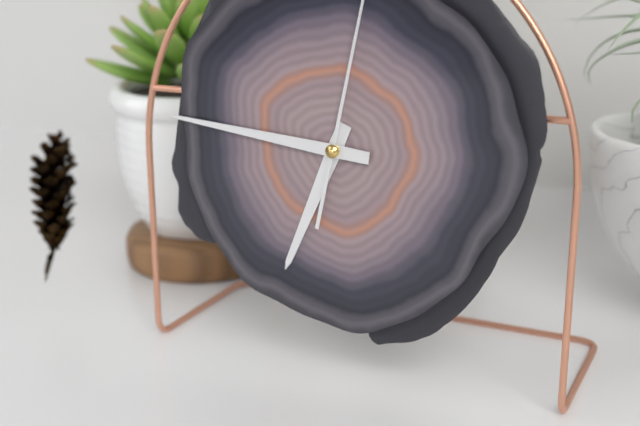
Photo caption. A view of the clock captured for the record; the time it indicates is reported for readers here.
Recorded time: 6:46
